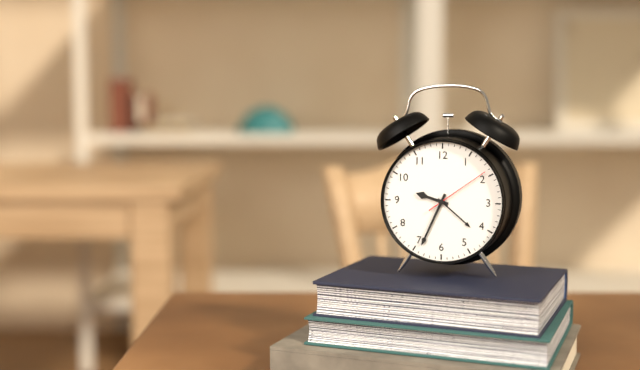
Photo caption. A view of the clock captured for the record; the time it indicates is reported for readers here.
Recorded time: 9:34:09
